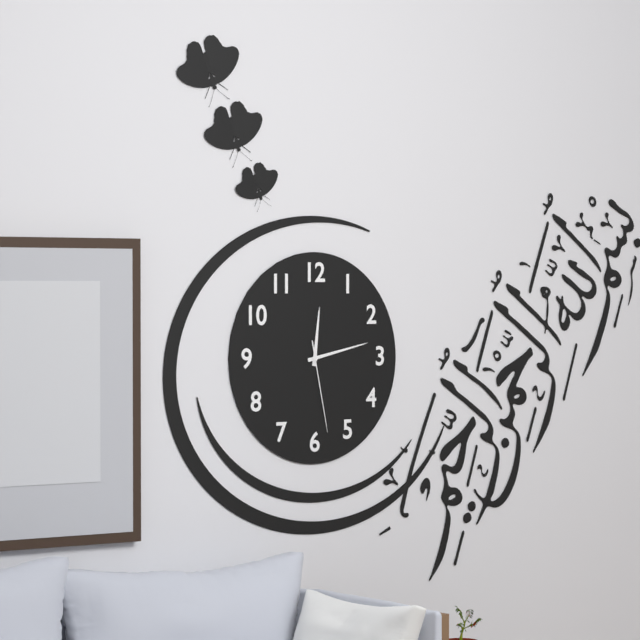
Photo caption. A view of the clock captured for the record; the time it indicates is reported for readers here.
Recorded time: 12:13:28
